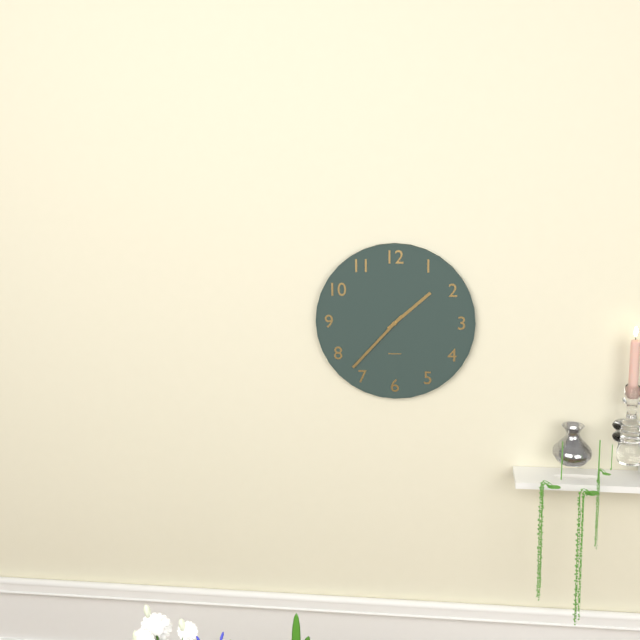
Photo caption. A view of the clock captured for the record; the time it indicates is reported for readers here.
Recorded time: 1:37
